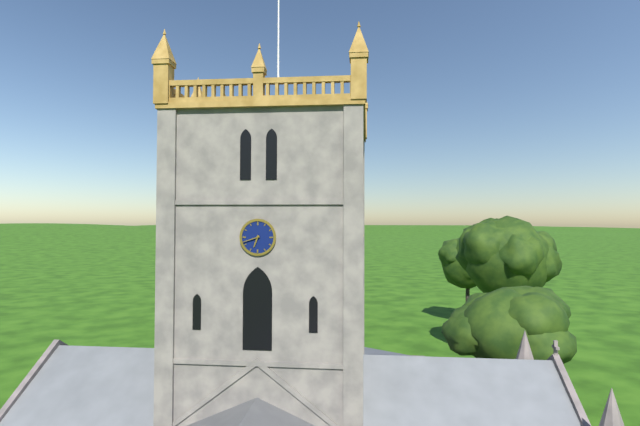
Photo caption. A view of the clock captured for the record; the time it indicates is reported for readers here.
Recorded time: 6:42
